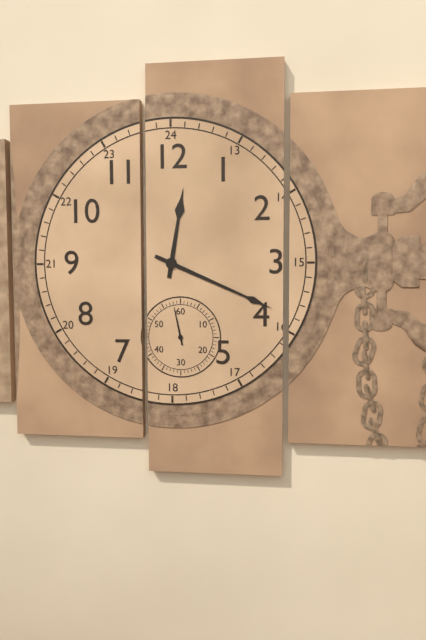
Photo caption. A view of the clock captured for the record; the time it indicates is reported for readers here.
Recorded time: 12:19
